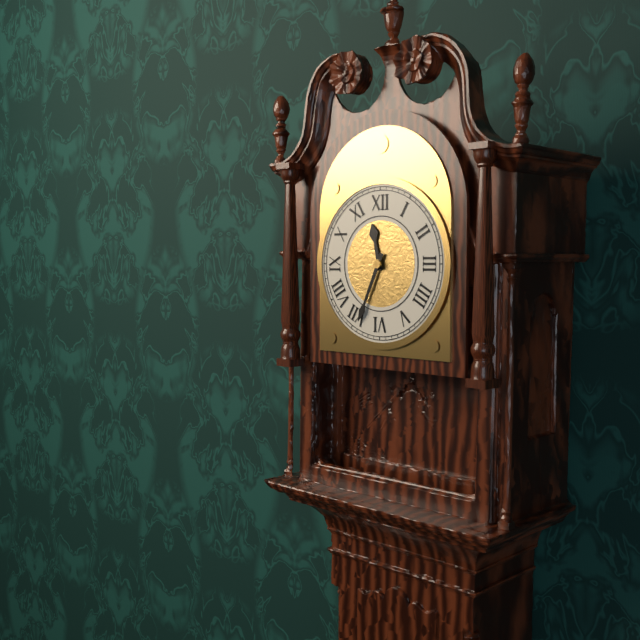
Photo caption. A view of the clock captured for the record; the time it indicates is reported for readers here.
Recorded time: 11:34
